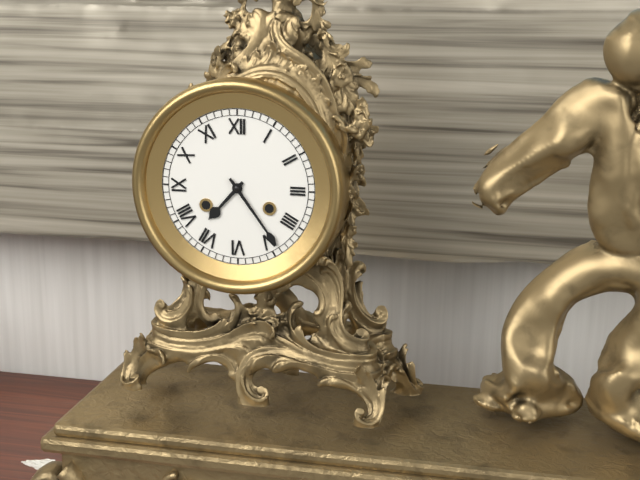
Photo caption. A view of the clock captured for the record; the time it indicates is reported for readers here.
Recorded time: 7:24
